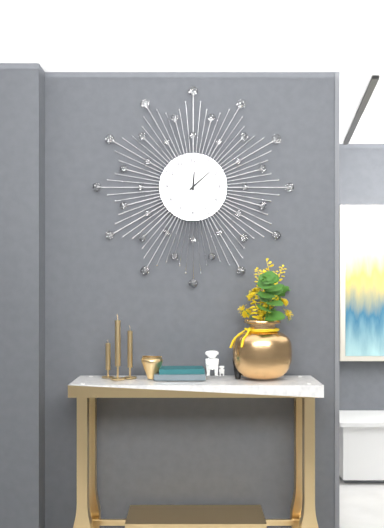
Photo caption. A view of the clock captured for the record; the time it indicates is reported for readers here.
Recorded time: 12:08
